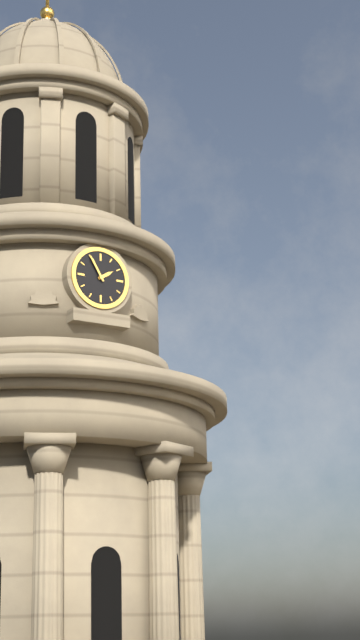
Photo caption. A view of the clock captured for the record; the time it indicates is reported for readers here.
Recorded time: 1:55
